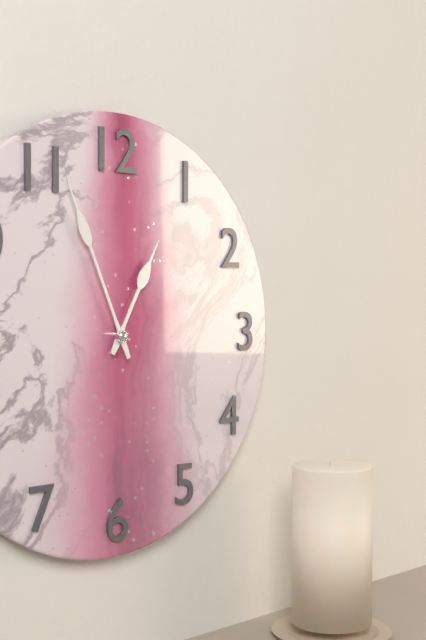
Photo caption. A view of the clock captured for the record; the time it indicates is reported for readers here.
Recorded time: 12:56
